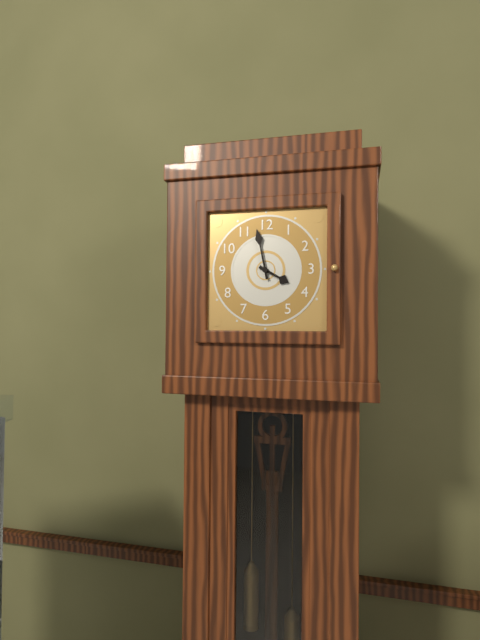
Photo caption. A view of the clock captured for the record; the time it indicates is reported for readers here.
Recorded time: 3:58
